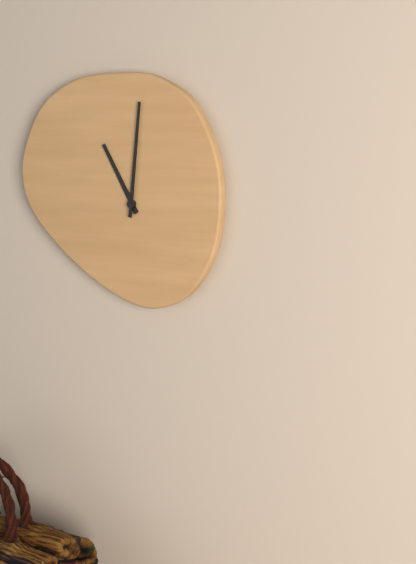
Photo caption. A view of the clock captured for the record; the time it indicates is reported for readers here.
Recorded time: 11:01
